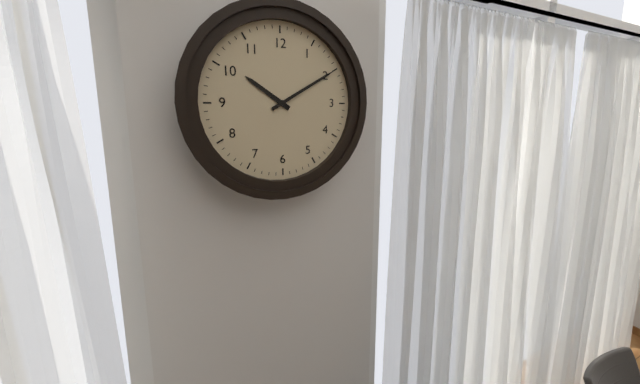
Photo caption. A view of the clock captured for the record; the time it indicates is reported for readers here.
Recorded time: 10:10
